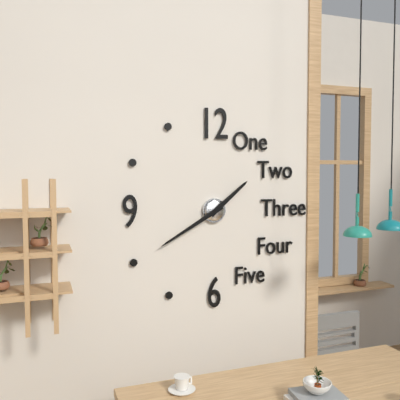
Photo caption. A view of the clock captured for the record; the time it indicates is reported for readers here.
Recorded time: 1:40
